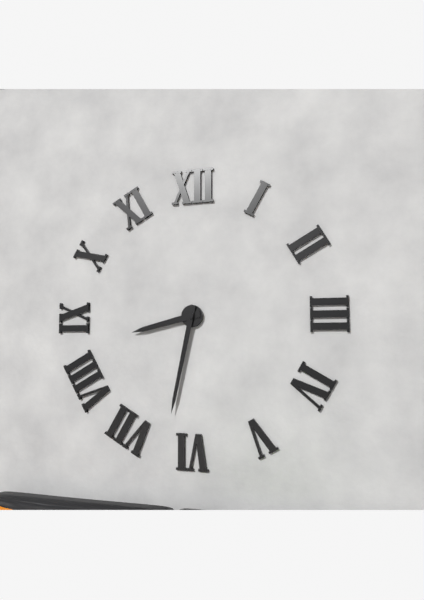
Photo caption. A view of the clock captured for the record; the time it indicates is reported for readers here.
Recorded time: 8:32
